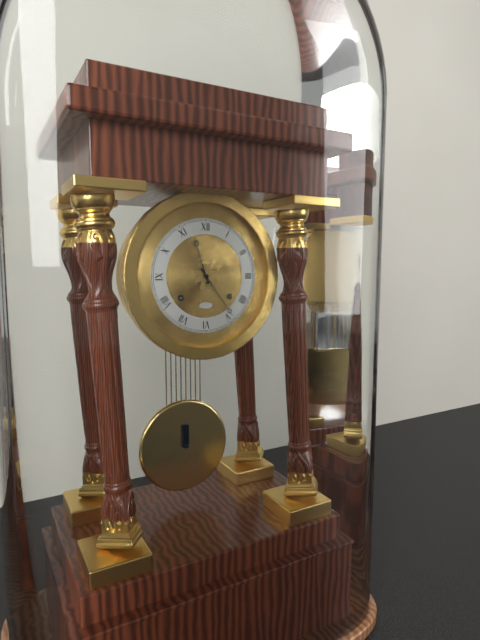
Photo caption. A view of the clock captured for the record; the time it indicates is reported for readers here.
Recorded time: 11:24
